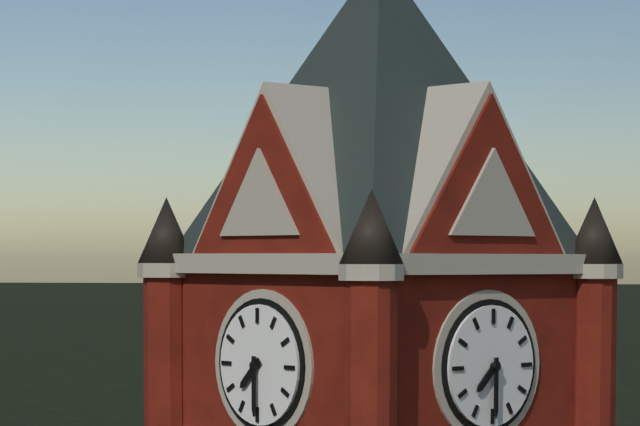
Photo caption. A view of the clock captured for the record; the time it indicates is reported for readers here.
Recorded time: 7:30
